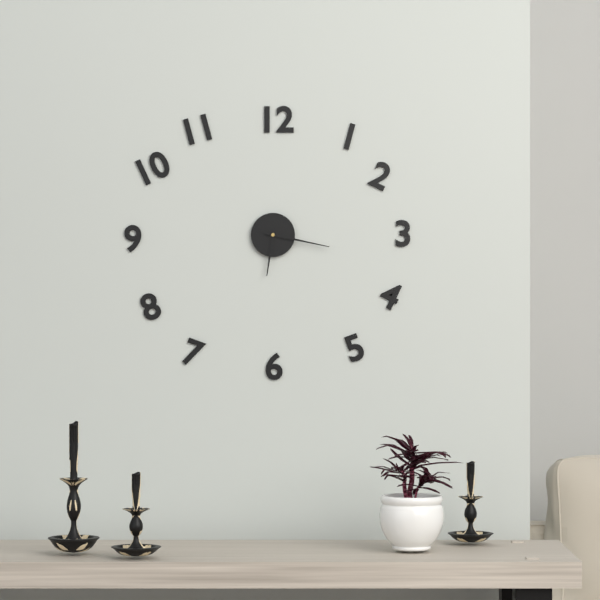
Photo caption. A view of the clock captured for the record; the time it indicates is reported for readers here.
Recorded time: 6:17
